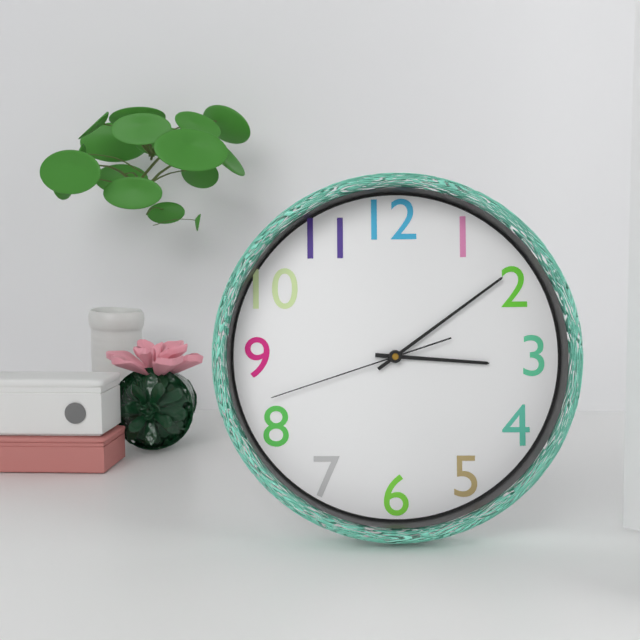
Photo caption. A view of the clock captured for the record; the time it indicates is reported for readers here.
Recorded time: 3:09:42
